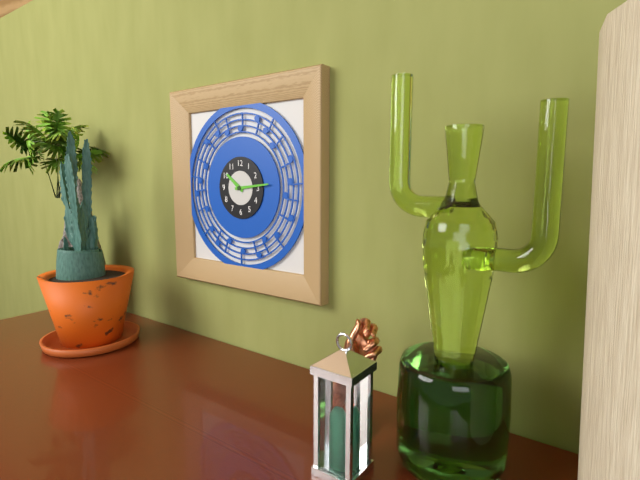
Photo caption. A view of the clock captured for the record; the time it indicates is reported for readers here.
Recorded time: 10:14
